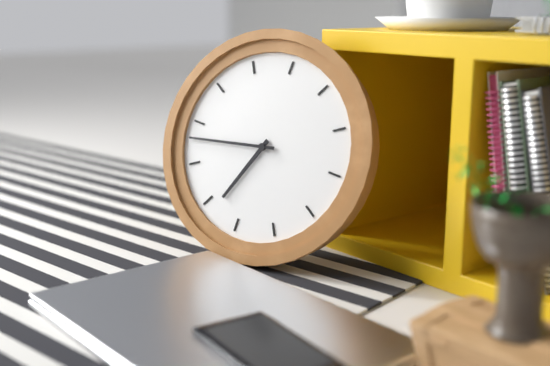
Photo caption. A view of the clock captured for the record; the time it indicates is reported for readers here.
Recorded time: 6:43
